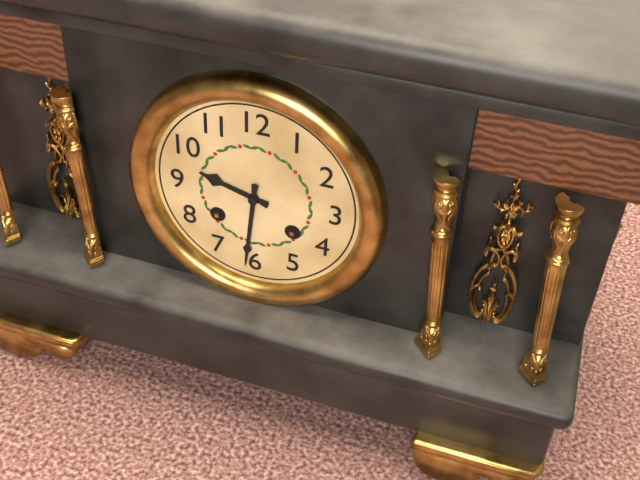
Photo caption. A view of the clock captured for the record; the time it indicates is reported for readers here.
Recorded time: 9:31
